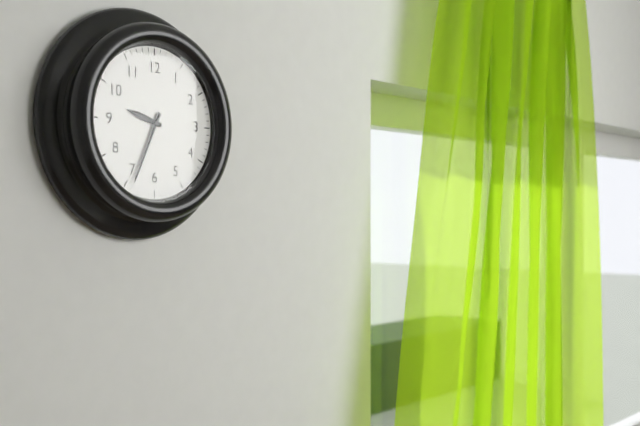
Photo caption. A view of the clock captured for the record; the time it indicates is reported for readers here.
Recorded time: 9:34
